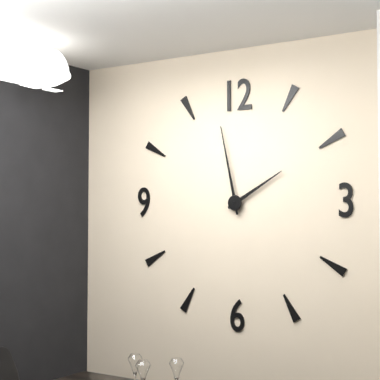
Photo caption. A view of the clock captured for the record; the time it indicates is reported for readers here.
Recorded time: 1:58
